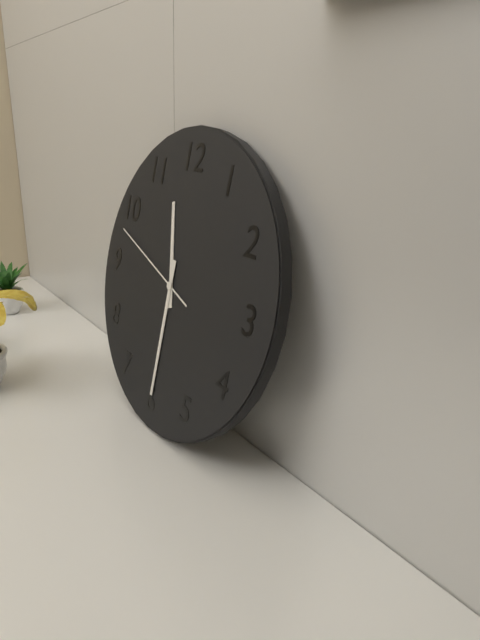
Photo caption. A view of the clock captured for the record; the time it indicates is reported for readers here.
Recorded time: 11:30:48
